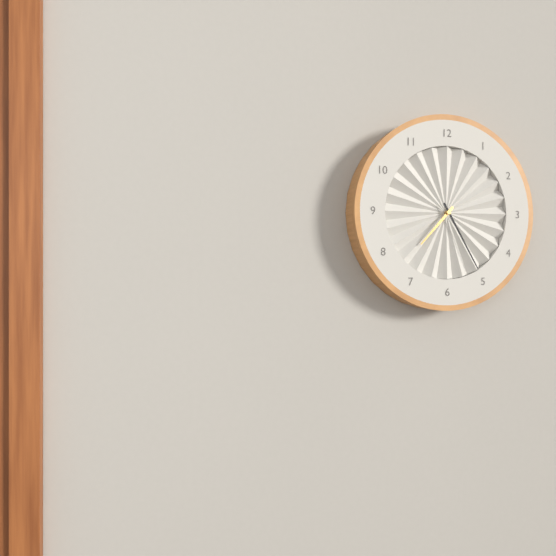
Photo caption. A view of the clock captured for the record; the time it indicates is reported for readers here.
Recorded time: 7:25
